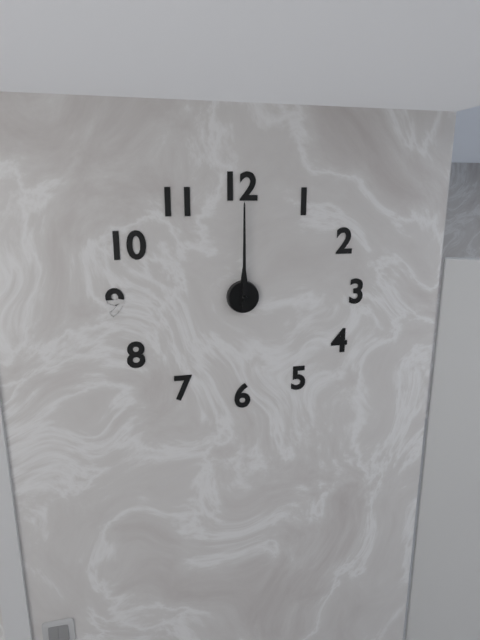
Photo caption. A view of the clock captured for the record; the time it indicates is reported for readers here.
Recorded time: 12:00
